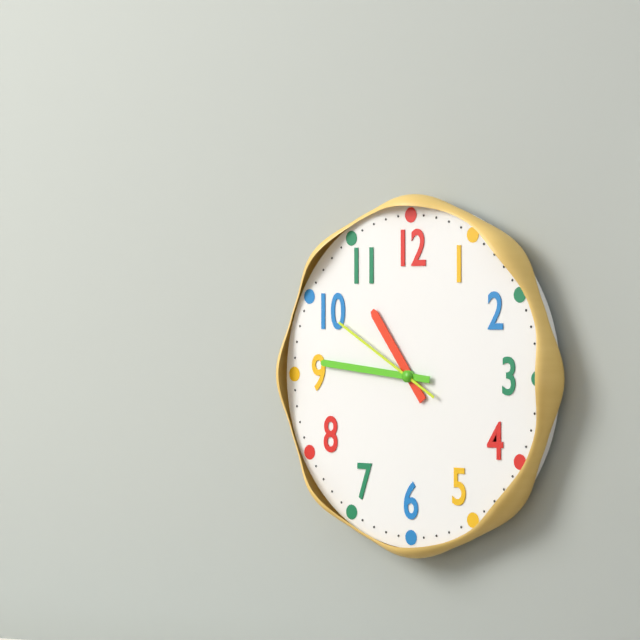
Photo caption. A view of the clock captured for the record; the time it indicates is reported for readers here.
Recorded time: 10:46:50
